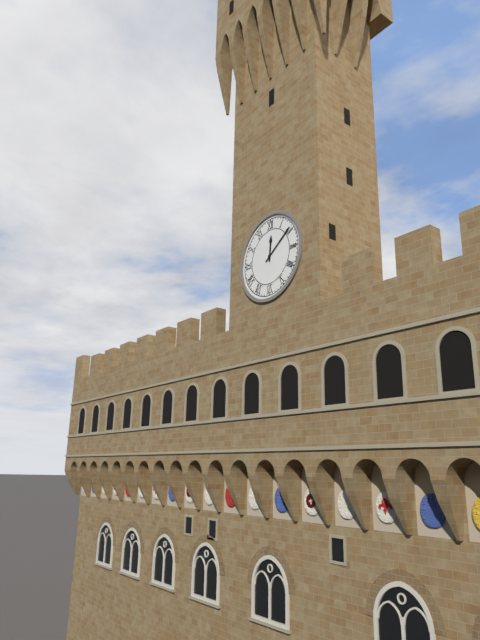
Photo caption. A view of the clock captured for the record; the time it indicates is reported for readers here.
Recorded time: 12:09
